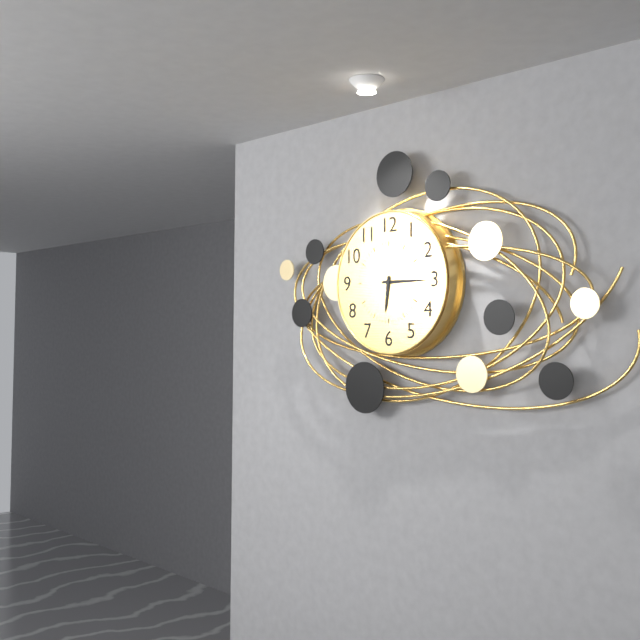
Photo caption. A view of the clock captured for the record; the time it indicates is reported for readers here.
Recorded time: 6:15
